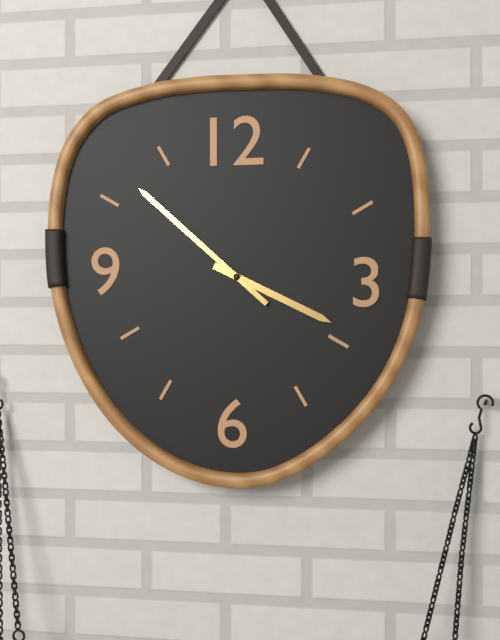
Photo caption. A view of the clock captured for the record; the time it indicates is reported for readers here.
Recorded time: 3:52
